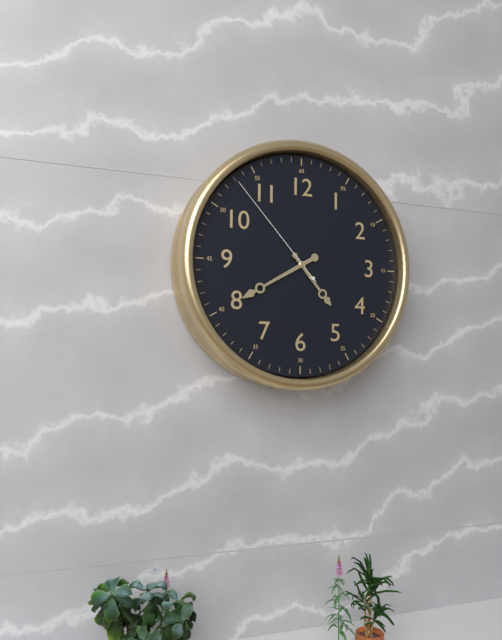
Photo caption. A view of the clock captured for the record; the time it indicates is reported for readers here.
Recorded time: 4:40:53
